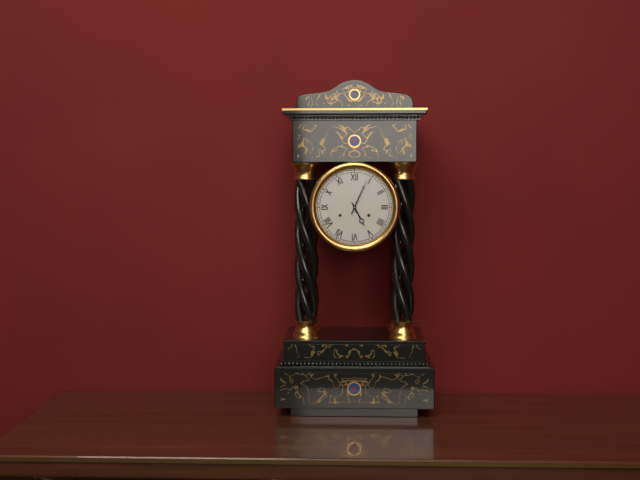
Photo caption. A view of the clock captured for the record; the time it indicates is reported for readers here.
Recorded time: 5:04
